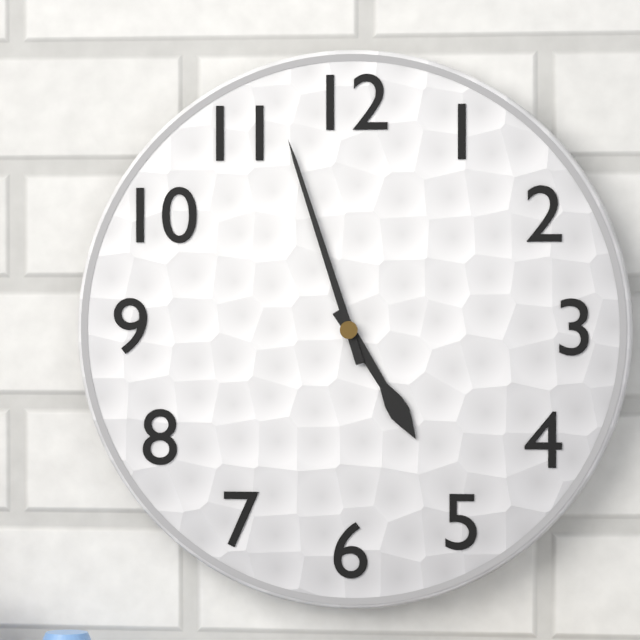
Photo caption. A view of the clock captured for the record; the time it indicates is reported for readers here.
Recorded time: 4:57
